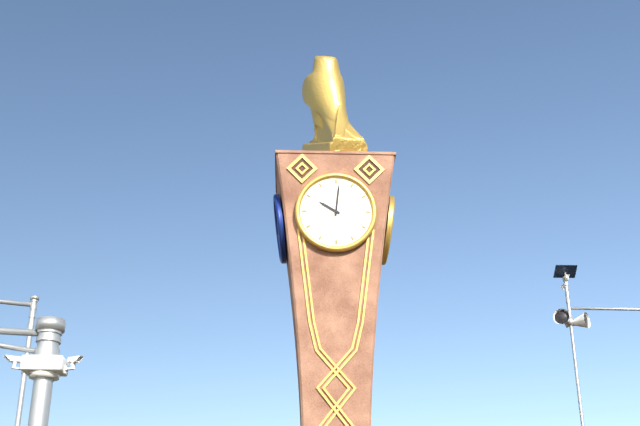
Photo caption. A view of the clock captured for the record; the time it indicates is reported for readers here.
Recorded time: 10:01
